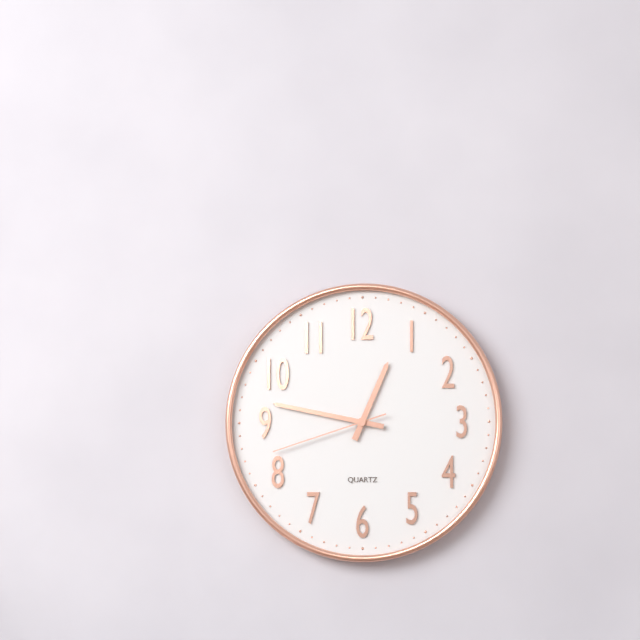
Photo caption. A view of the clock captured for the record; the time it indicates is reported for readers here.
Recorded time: 12:47:42
